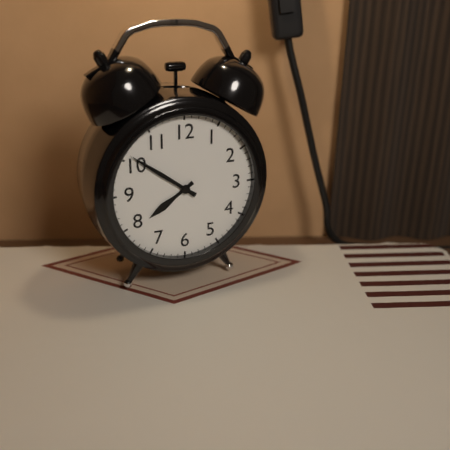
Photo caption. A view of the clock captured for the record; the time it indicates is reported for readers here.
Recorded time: 7:51
